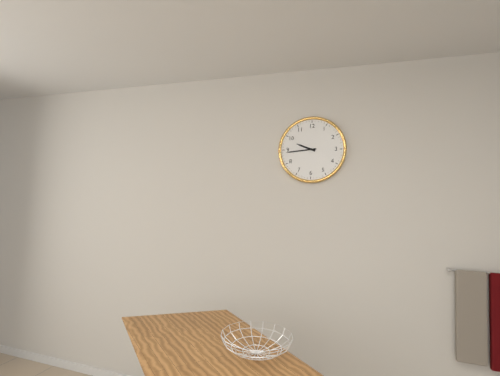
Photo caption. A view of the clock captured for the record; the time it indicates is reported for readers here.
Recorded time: 9:44
